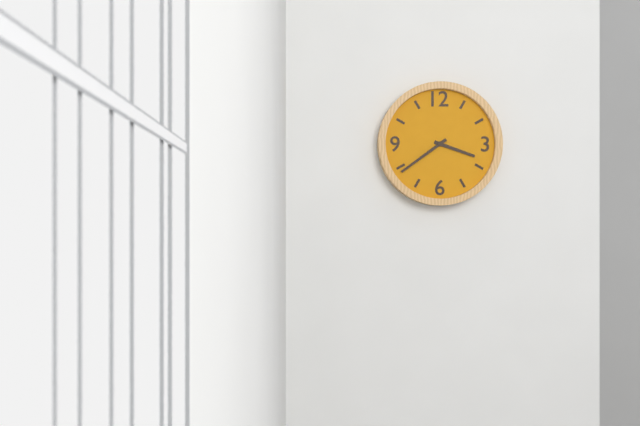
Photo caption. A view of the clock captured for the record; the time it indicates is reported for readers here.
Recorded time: 3:39
